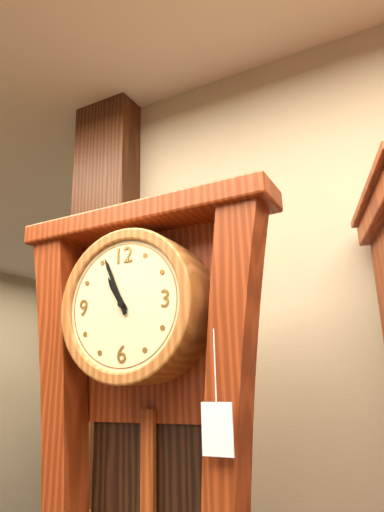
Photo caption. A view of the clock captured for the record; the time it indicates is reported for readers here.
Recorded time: 10:56
